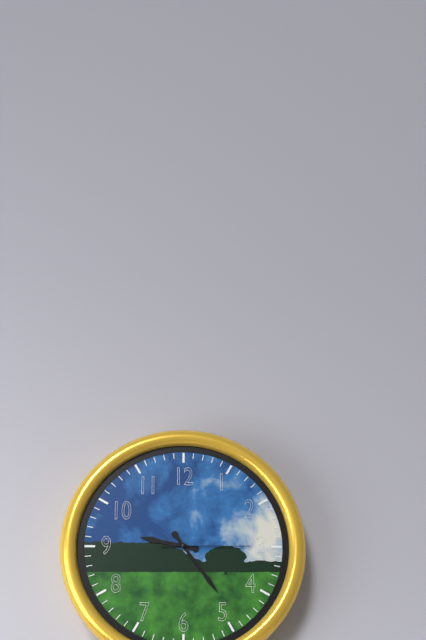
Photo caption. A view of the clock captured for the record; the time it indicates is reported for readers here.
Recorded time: 9:24:15
